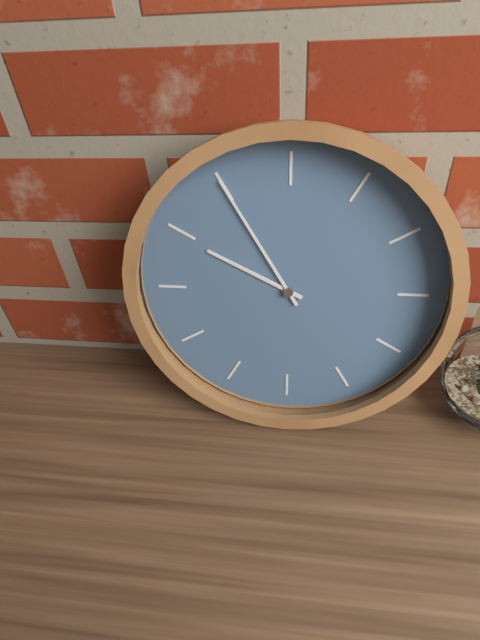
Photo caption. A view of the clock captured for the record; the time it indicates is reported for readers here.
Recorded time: 9:55
